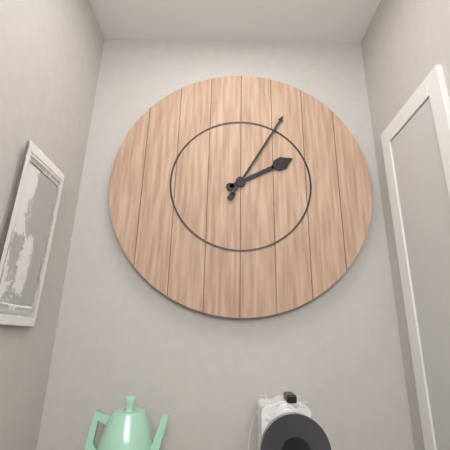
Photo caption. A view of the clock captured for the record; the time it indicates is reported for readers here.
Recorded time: 2:05
